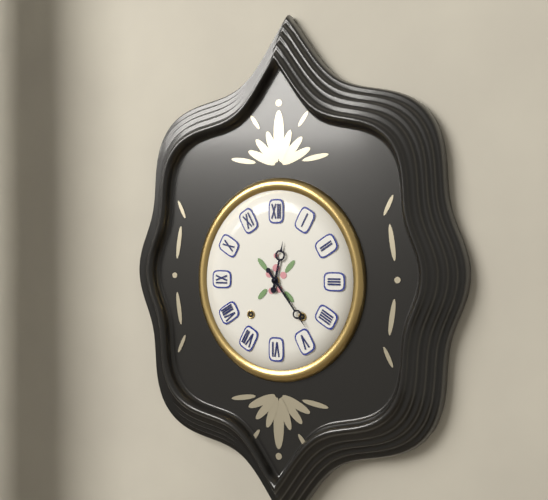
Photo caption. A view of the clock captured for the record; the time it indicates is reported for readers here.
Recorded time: 12:24
